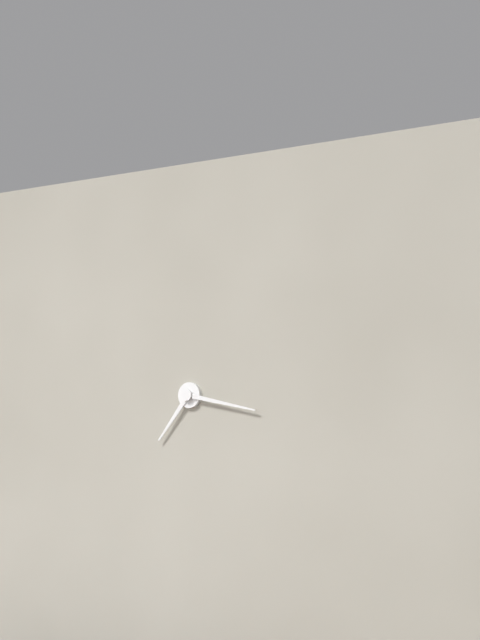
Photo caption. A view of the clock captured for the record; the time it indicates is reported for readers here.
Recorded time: 7:17
